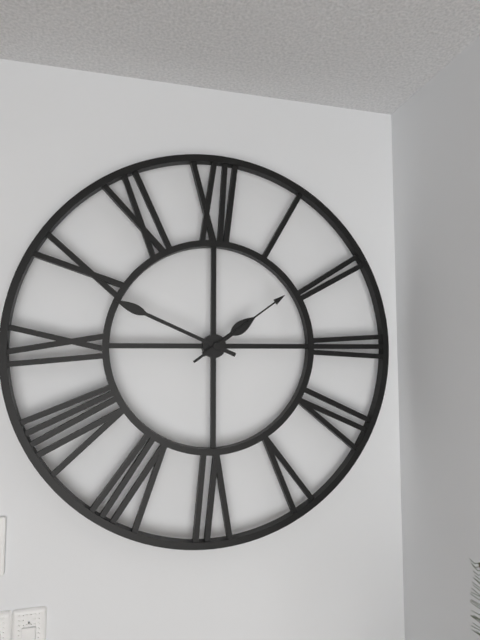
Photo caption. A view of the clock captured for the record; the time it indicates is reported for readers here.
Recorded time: 1:49:09
